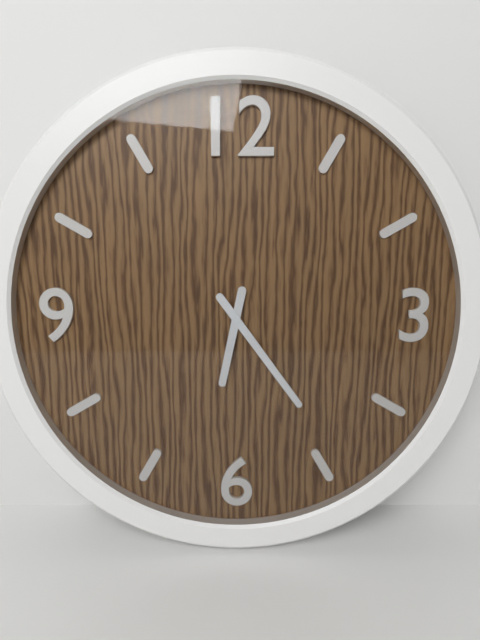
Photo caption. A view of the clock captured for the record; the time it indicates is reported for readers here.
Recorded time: 6:24
